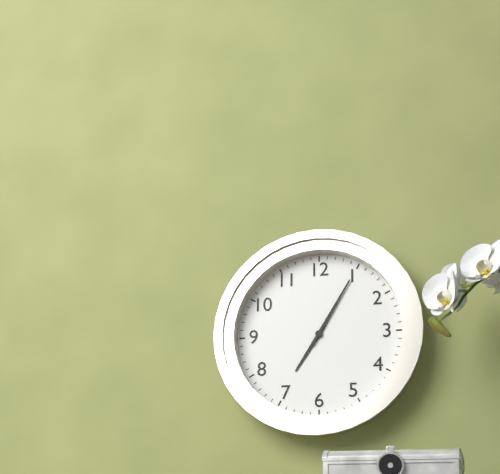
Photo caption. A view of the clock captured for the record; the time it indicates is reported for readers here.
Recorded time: 7:05
